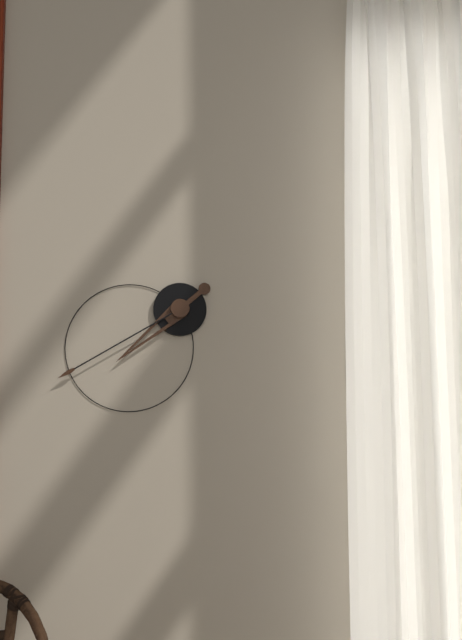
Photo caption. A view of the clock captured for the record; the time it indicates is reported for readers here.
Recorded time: 7:40
